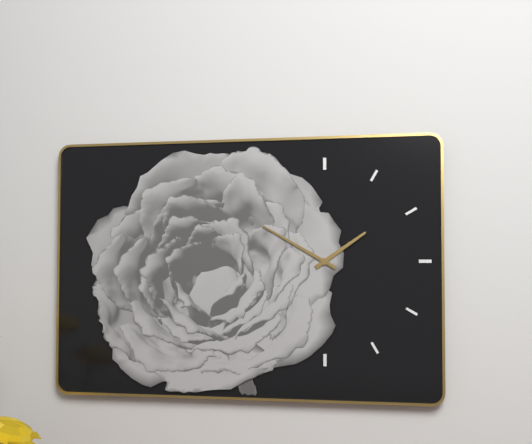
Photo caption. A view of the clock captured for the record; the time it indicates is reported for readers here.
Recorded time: 1:50
